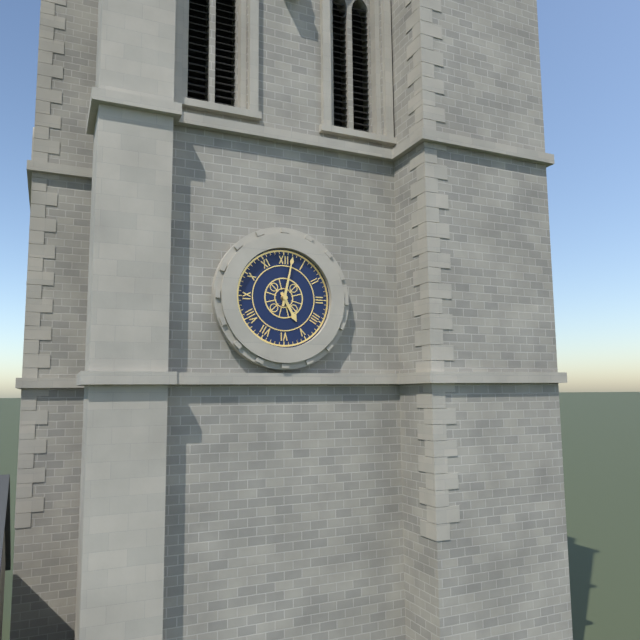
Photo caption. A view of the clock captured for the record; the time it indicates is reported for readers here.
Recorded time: 5:02
